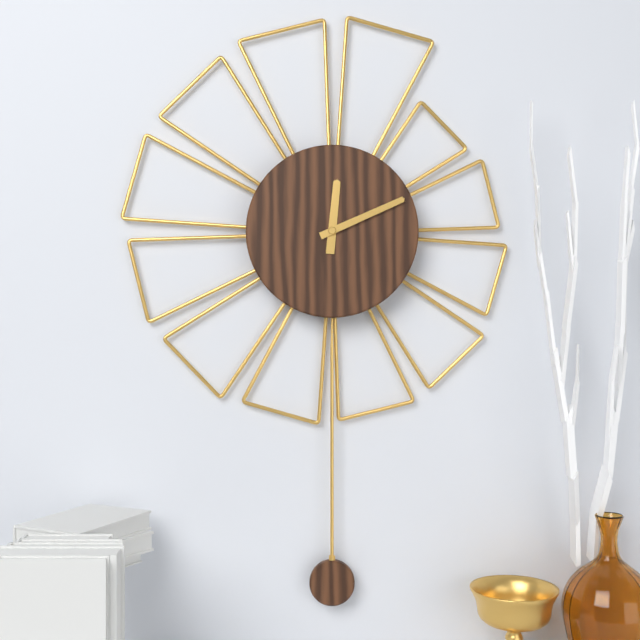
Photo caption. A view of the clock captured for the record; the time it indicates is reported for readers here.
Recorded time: 12:11
